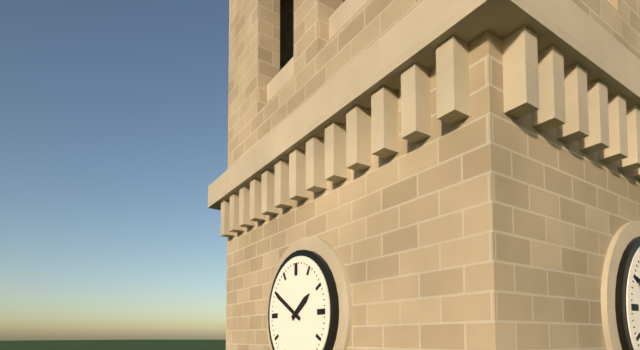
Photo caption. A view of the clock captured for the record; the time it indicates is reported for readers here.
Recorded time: 1:50
